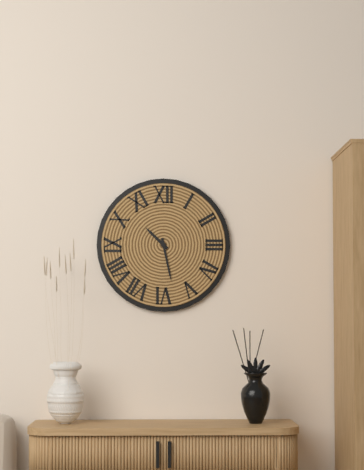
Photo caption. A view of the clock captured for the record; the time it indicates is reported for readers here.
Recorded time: 10:28
